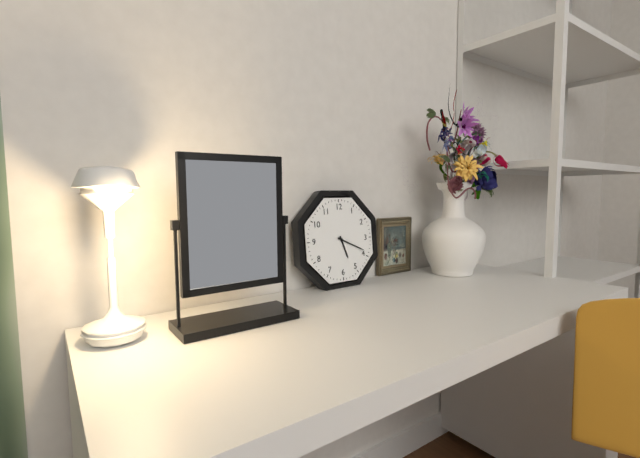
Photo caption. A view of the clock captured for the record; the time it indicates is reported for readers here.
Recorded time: 5:19
